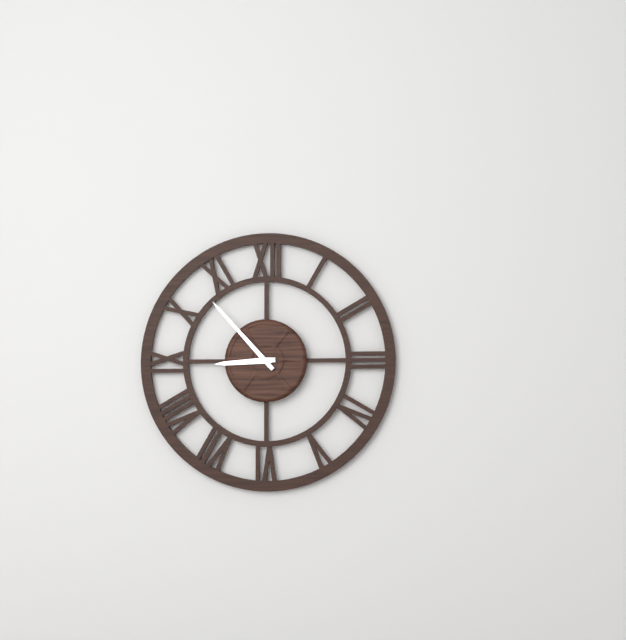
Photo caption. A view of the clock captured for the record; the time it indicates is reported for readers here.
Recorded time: 8:53
